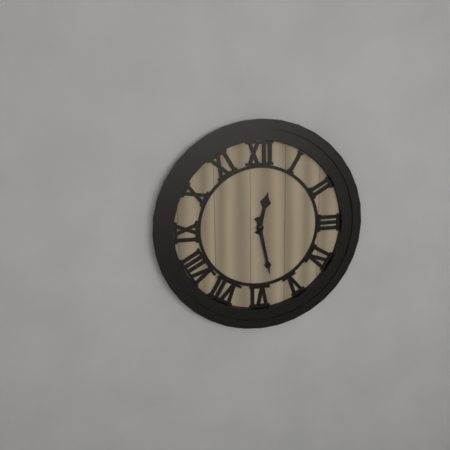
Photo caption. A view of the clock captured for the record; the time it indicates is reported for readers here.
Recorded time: 12:28
